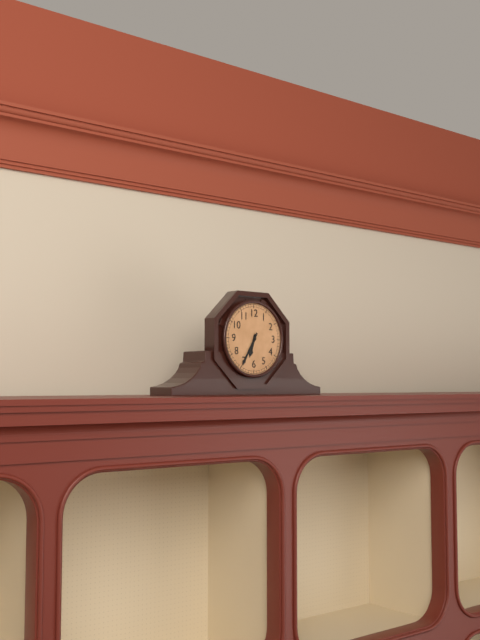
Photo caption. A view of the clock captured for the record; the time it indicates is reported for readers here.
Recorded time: 6:35
